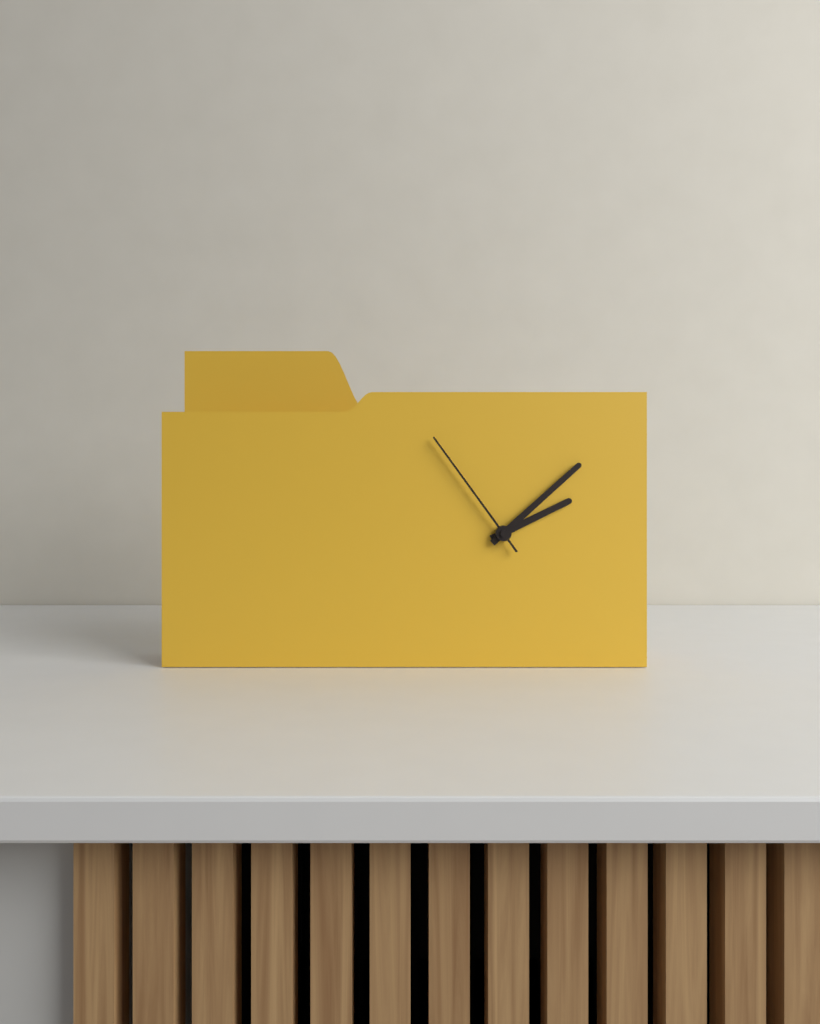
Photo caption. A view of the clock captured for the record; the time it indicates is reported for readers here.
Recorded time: 2:08:54
